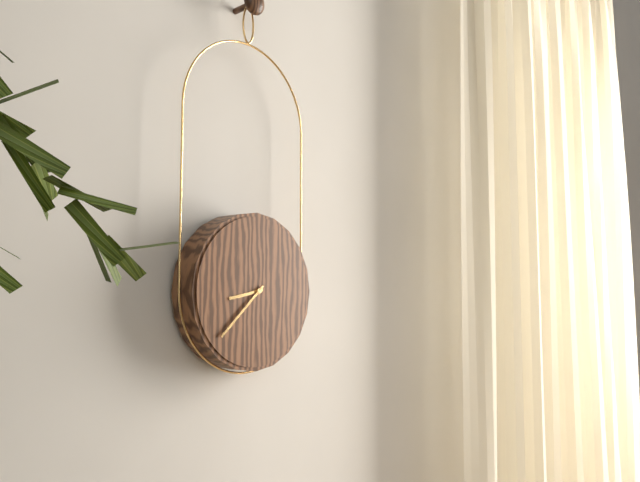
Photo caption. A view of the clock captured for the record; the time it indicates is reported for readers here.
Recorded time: 8:38
